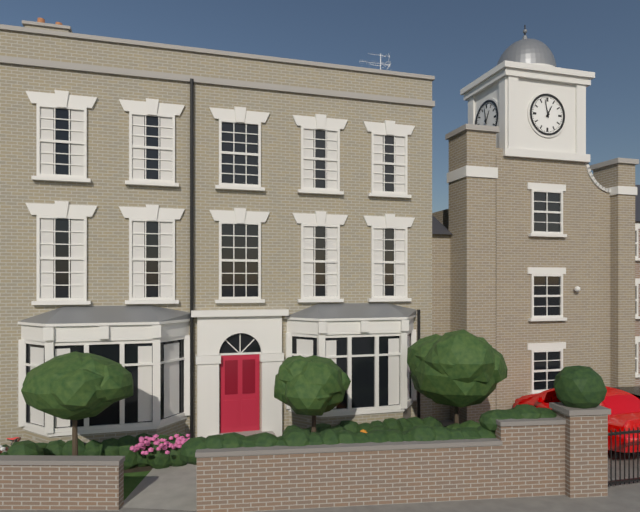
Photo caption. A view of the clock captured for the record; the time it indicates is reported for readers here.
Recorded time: 12:58
